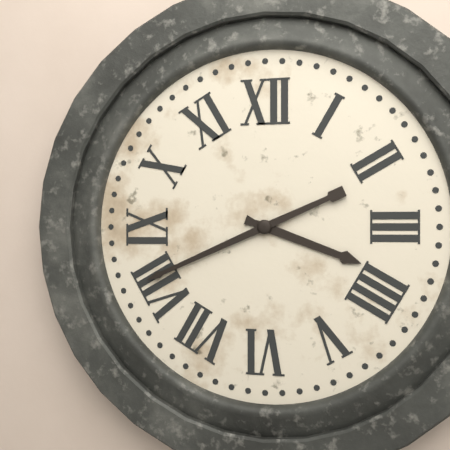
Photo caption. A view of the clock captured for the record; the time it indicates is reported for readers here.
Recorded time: 3:41
